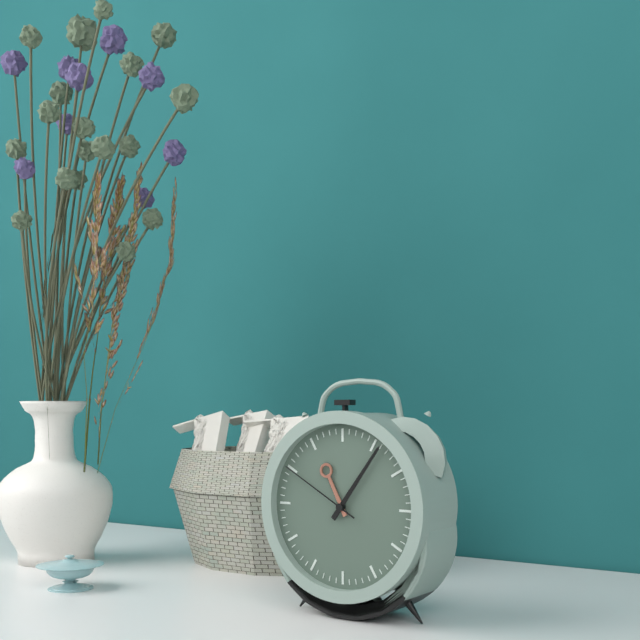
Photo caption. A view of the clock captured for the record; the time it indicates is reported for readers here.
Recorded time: 11:06:50
